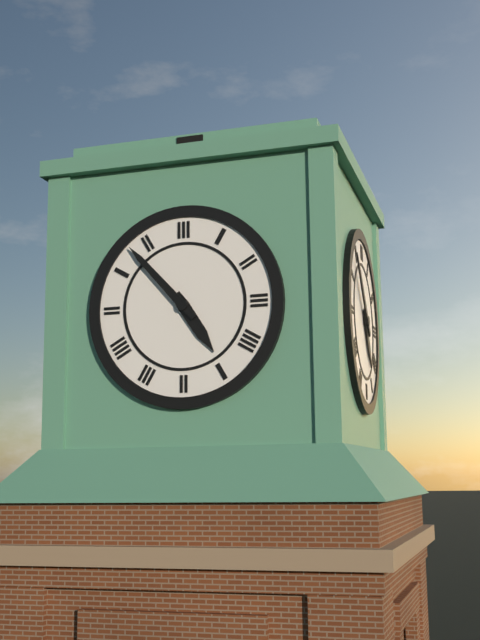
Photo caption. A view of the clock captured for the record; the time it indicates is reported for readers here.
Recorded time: 4:53
